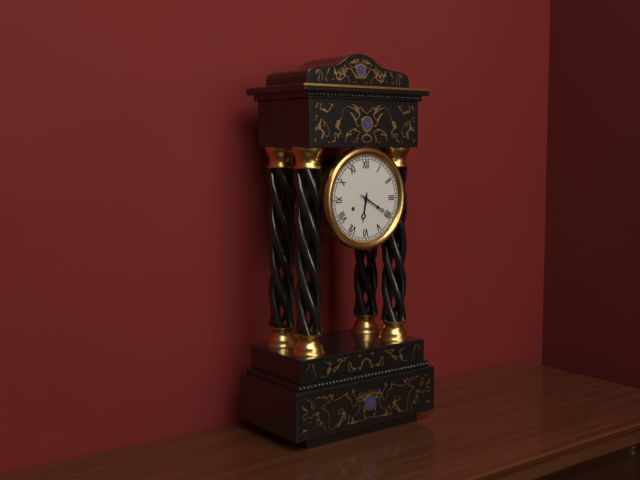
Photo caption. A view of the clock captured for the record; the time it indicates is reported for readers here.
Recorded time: 6:20
